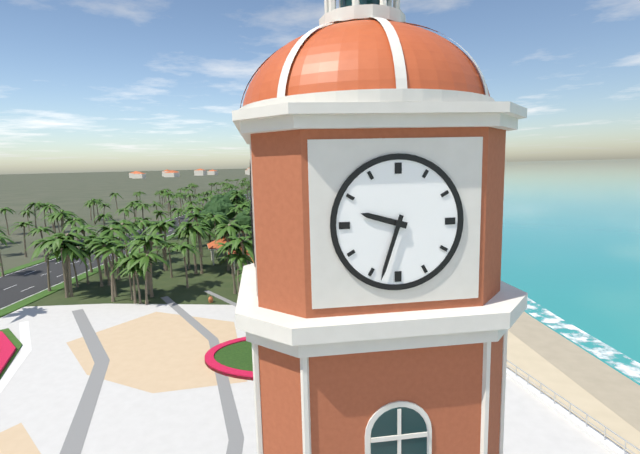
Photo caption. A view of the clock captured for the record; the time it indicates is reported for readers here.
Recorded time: 9:33
